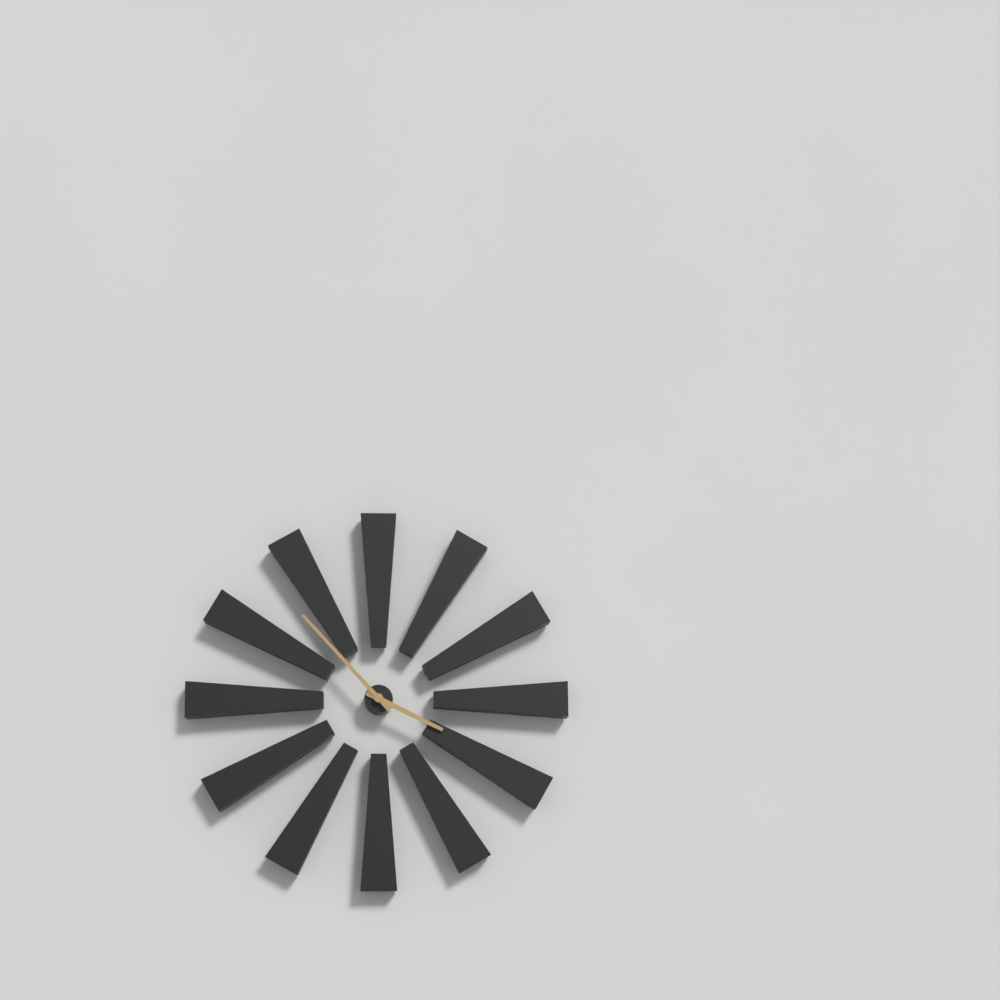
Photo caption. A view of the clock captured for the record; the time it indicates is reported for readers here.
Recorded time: 3:53
